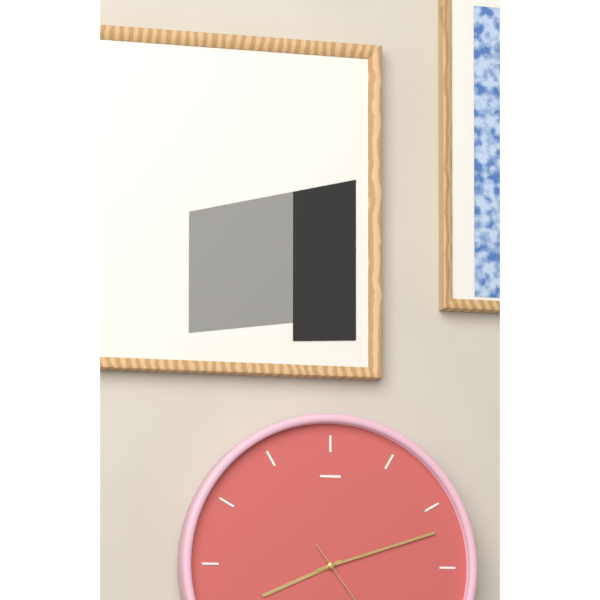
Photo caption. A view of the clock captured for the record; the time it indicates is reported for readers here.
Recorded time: 8:12
